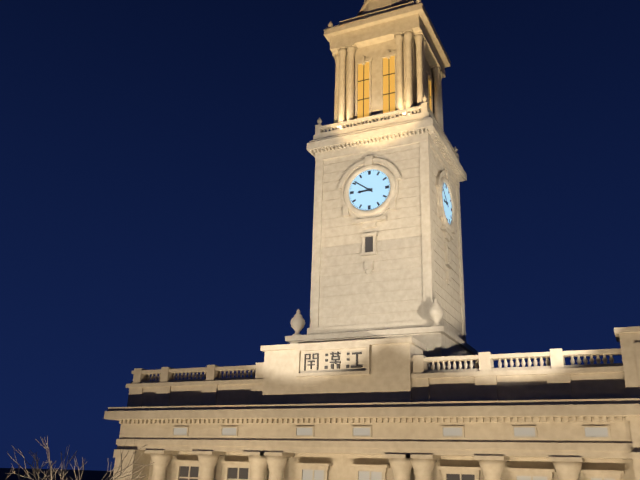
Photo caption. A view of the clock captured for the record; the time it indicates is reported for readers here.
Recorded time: 8:51
